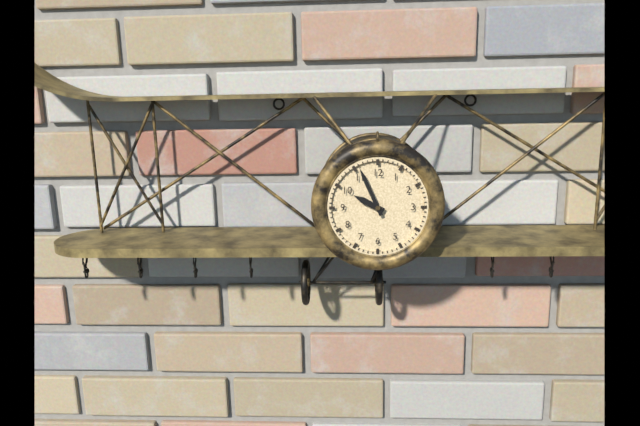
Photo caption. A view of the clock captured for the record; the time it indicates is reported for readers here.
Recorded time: 9:56
